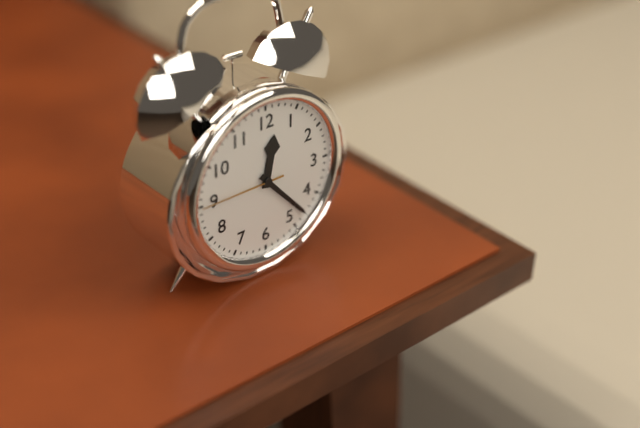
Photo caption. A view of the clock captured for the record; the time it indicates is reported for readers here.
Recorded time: 12:23:45
